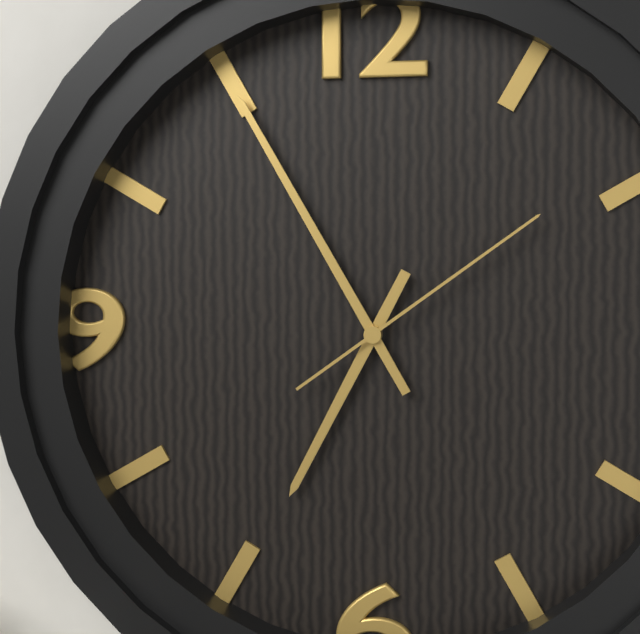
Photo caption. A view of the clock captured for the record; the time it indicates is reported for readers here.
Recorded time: 6:55:09
